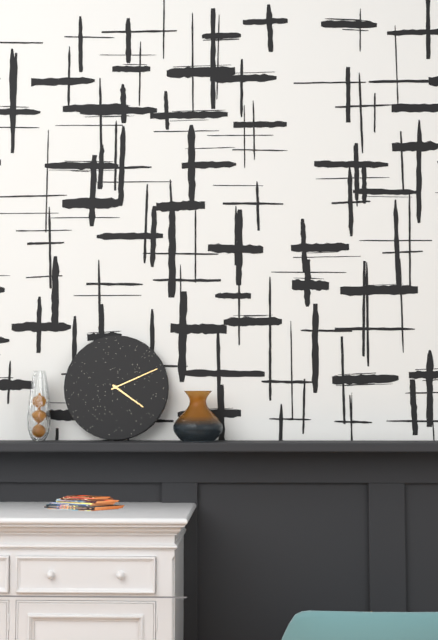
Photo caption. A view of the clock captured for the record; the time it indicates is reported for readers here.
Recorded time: 4:11
